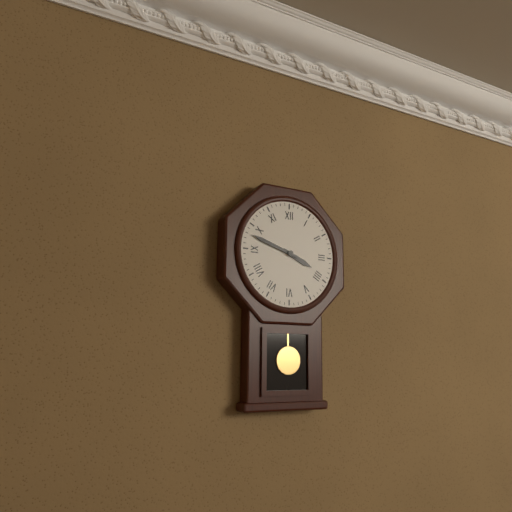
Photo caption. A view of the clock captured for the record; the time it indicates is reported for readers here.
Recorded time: 3:48
